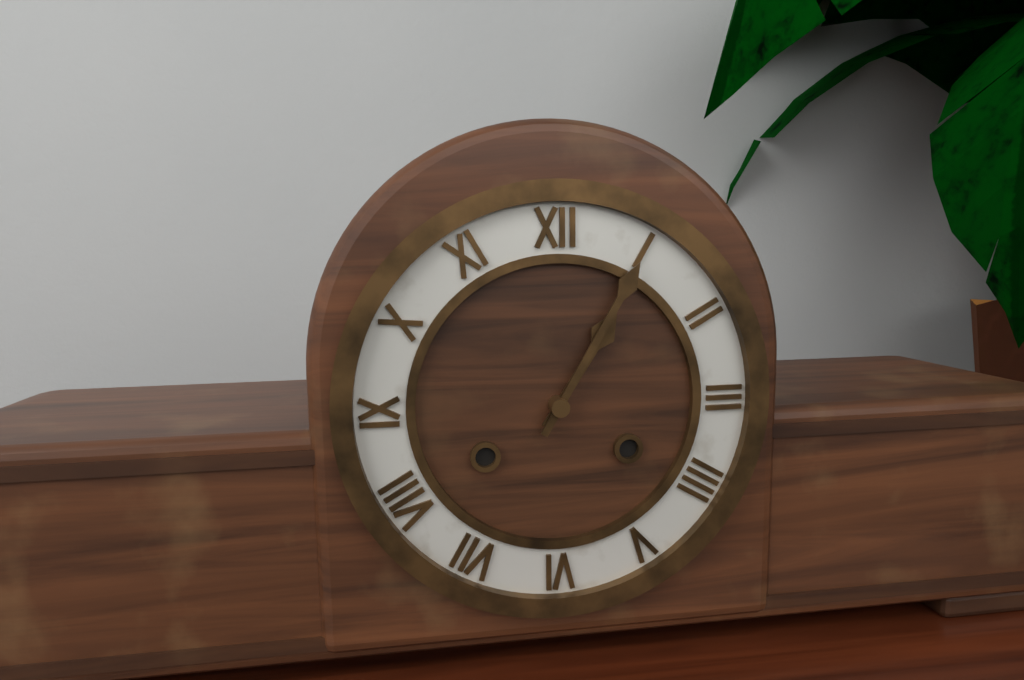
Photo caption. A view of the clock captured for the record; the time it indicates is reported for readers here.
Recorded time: 1:05
